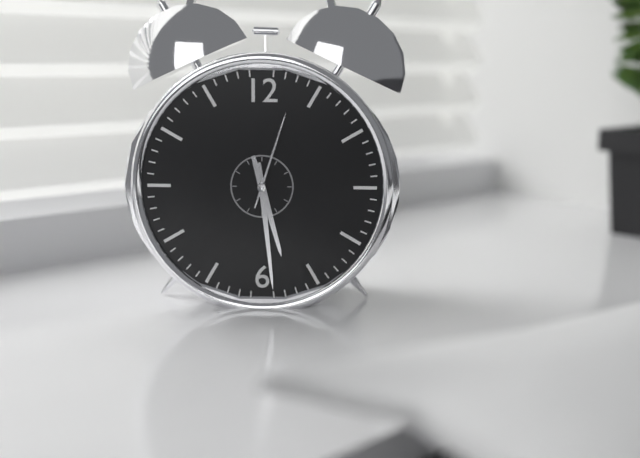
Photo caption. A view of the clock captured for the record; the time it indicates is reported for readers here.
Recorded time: 5:29:03
